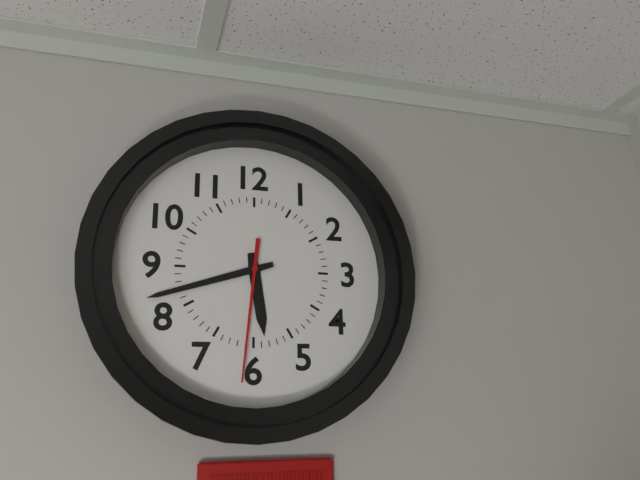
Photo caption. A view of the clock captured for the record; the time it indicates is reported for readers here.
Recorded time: 5:42:31
